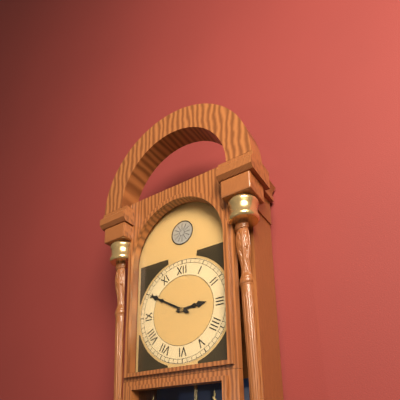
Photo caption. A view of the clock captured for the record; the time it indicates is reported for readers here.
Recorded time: 2:50
